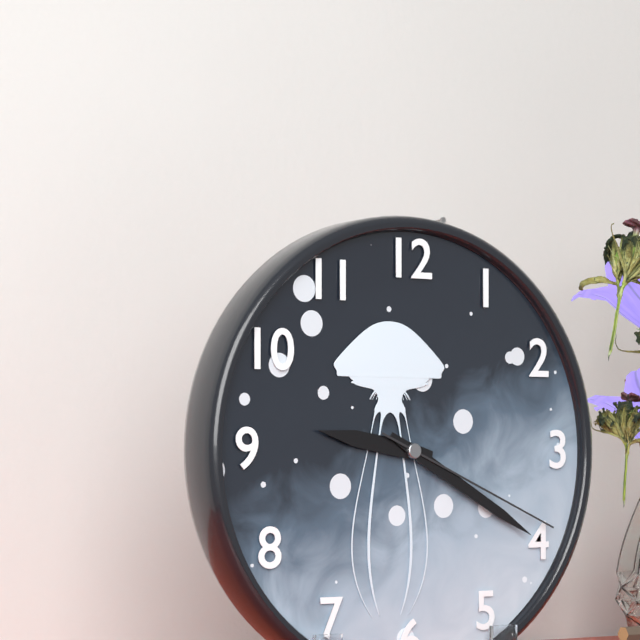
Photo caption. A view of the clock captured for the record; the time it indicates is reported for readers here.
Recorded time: 9:20:19
